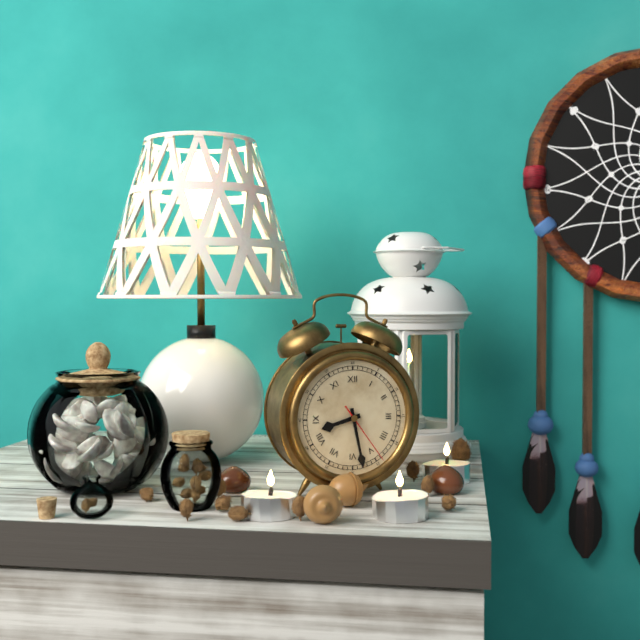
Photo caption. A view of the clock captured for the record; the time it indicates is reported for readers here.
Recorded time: 8:28:24
